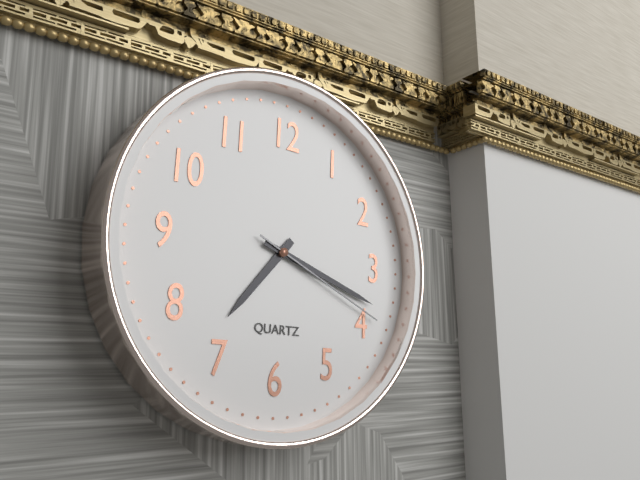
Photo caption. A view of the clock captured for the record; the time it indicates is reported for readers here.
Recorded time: 7:18:19
